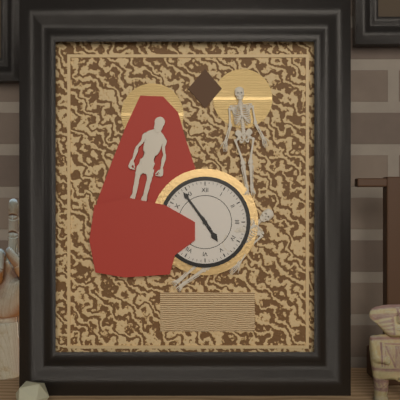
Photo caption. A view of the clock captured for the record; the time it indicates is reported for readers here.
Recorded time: 4:54
